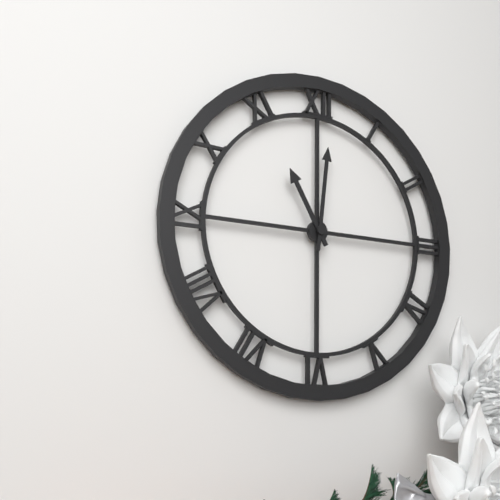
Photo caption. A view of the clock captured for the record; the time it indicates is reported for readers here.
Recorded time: 11:01
